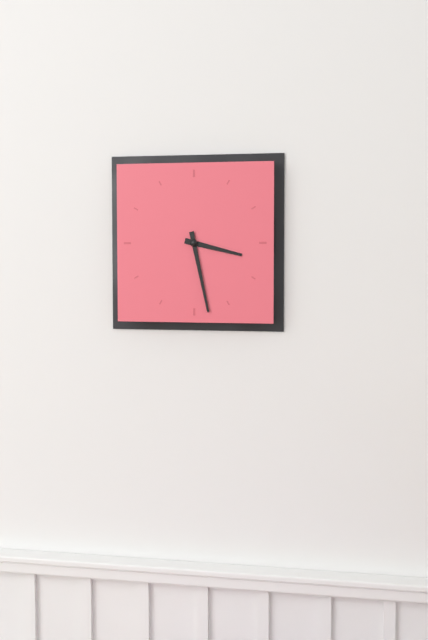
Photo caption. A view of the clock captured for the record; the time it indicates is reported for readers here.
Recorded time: 3:28
